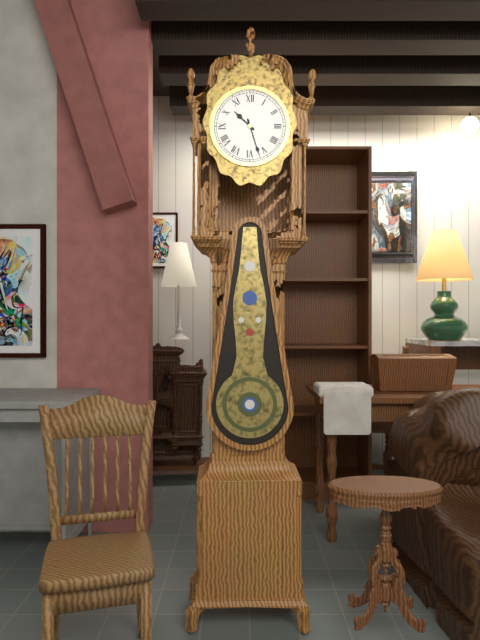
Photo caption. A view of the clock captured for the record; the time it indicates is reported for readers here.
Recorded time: 10:27
